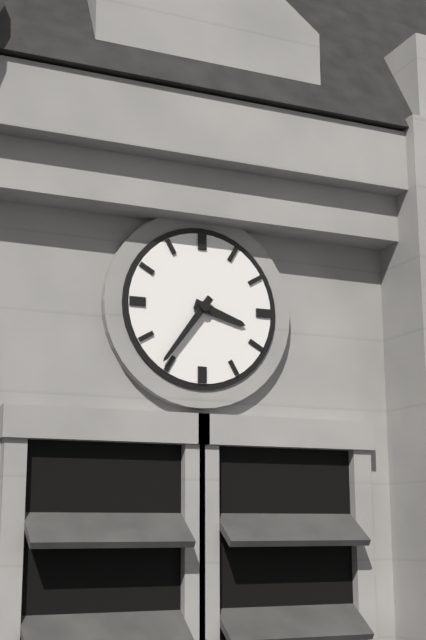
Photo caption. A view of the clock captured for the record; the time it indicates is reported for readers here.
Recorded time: 3:36
